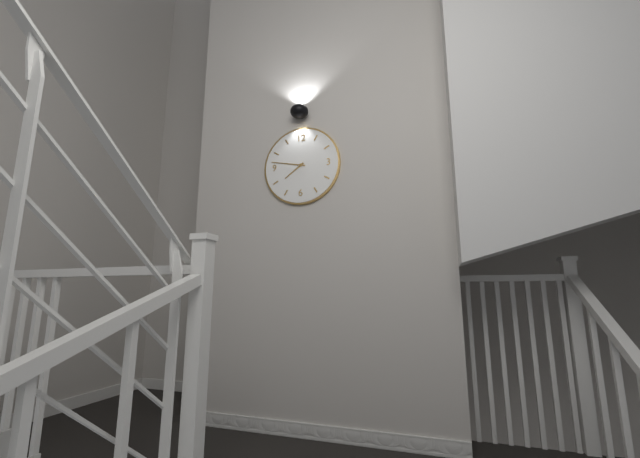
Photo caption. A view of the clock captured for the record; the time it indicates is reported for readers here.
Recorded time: 7:47
